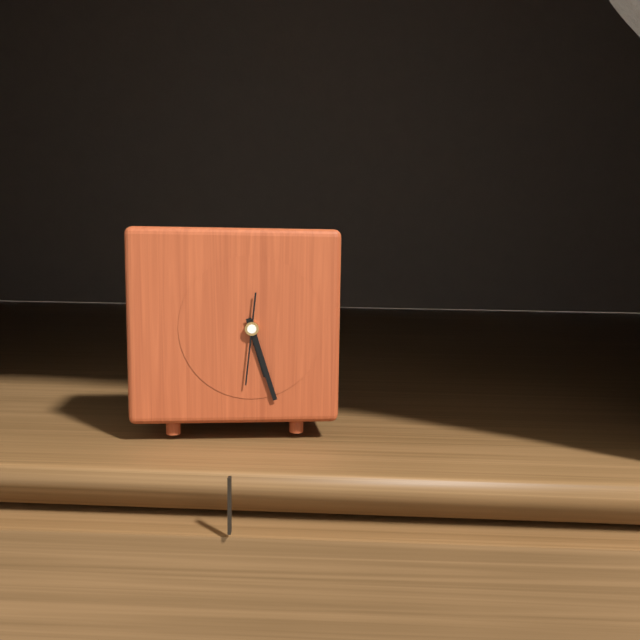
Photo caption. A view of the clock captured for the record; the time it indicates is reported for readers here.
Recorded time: 5:27:31
